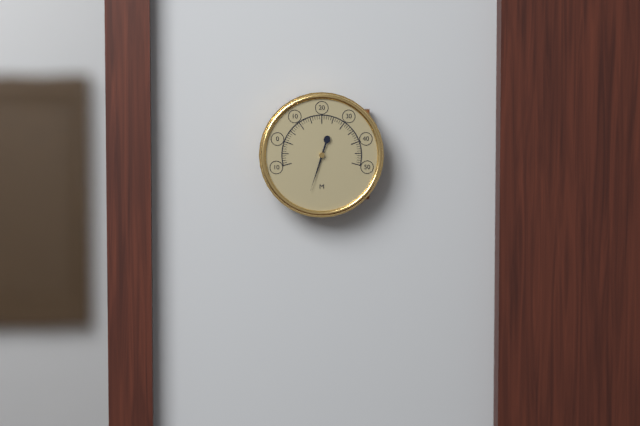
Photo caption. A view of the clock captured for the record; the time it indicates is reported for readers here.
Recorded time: 6:33
